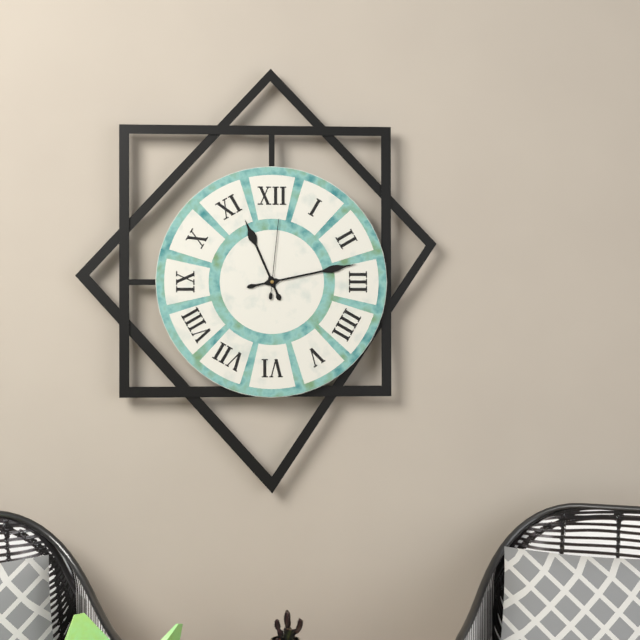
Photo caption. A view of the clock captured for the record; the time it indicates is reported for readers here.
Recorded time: 11:13:01
